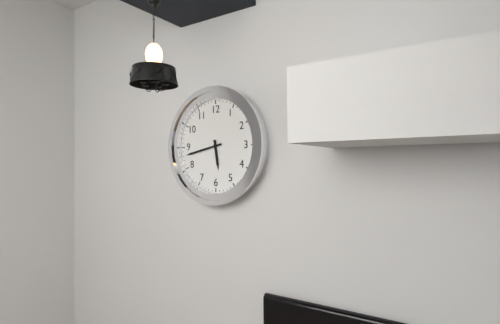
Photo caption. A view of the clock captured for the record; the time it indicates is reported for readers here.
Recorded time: 5:43
